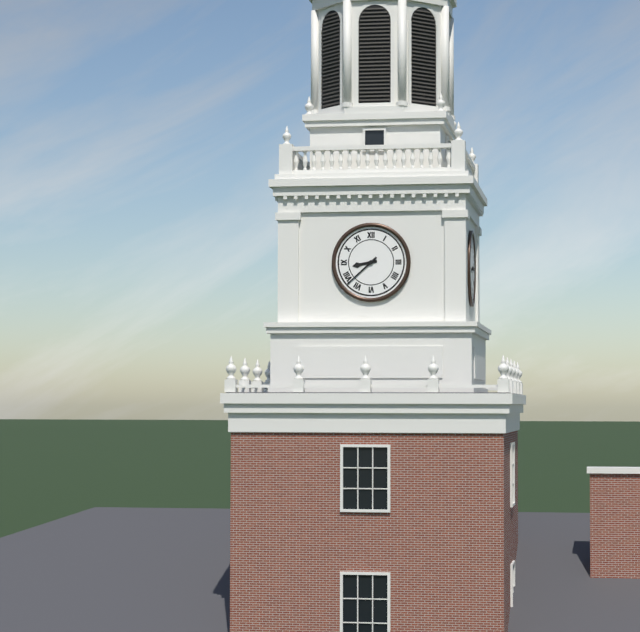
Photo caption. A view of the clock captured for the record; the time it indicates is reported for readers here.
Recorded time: 8:38
